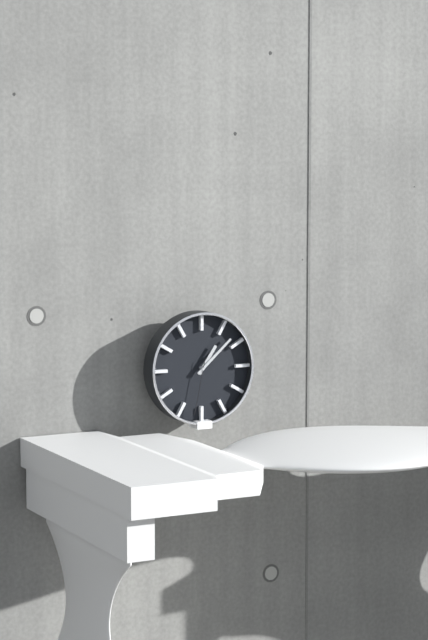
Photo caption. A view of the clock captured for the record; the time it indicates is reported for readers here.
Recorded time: 1:08:32
